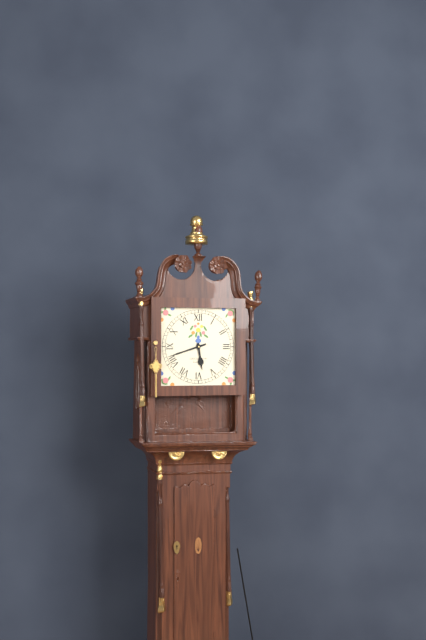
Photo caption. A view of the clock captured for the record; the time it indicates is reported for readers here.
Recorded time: 5:42
